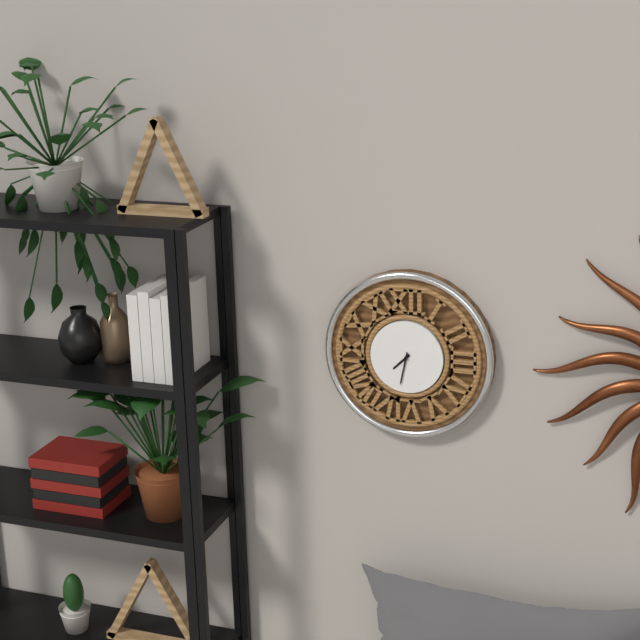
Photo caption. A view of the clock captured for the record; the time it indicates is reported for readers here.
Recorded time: 7:32
